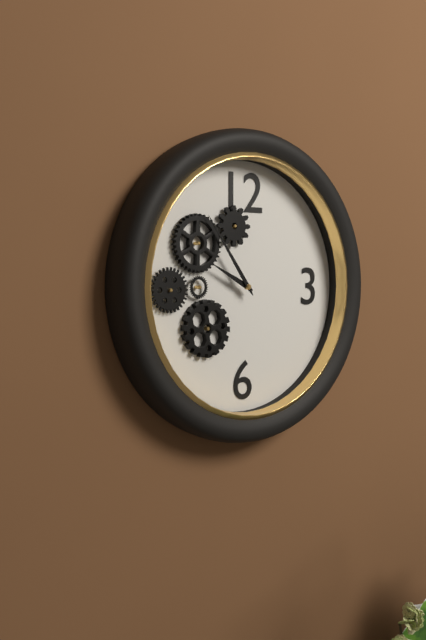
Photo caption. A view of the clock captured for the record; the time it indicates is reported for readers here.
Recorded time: 9:54
